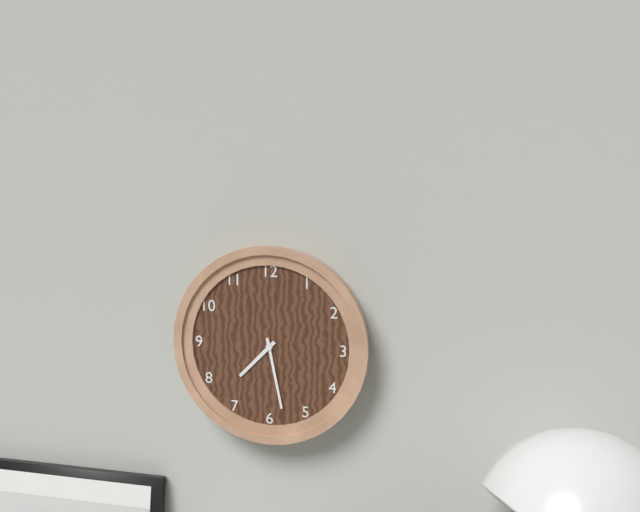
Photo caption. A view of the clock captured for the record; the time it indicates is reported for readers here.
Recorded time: 7:28
